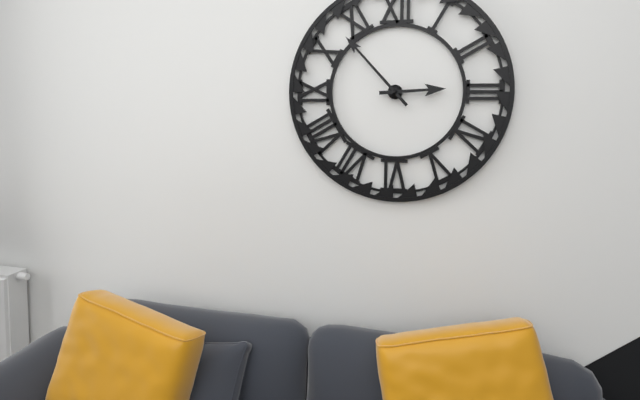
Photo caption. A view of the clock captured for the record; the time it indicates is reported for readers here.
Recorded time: 2:53
